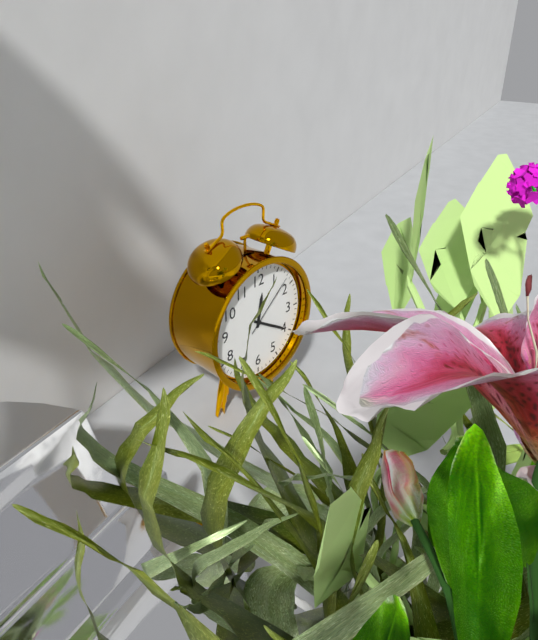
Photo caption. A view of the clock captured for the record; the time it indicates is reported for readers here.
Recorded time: 12:20:08
